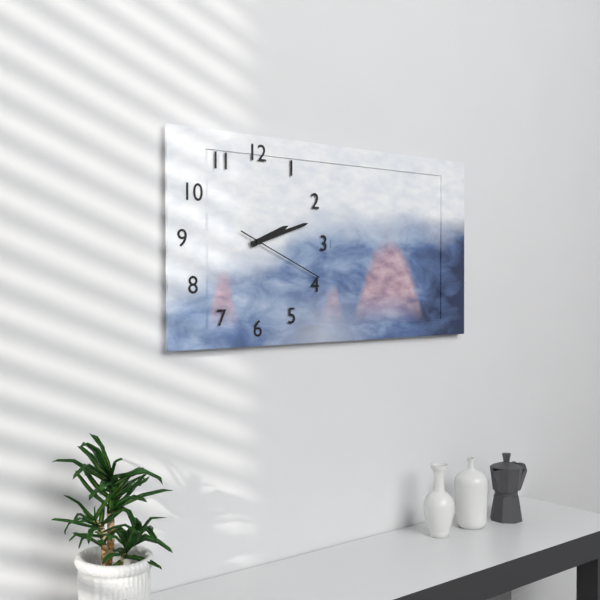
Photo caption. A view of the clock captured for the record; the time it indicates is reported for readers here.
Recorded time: 2:12:19
